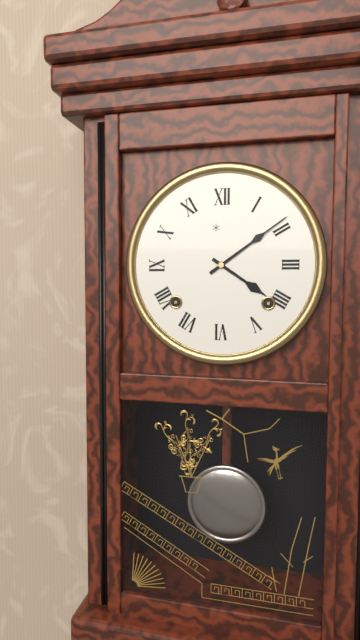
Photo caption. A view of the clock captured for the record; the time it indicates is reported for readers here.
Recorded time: 4:09
